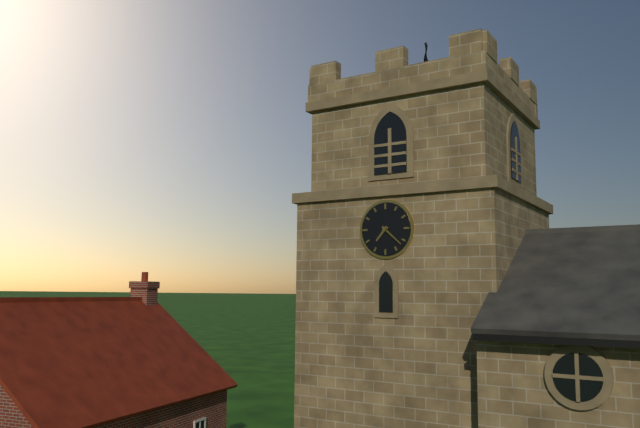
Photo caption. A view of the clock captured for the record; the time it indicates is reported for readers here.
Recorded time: 7:22
